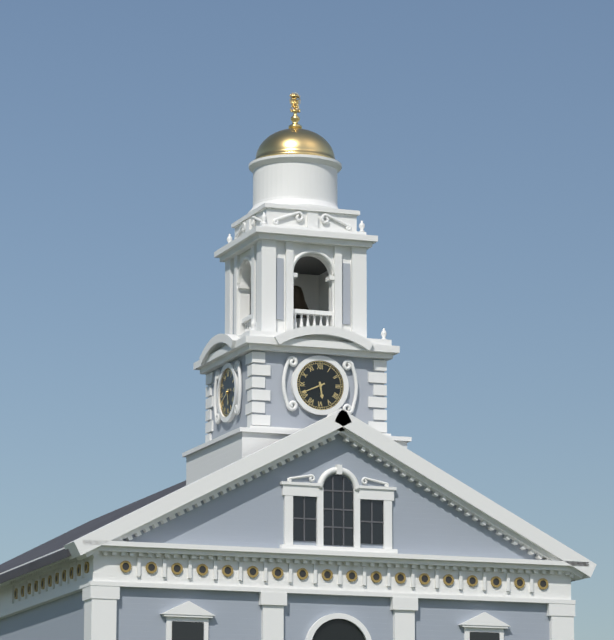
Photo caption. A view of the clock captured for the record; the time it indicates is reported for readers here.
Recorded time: 5:41
